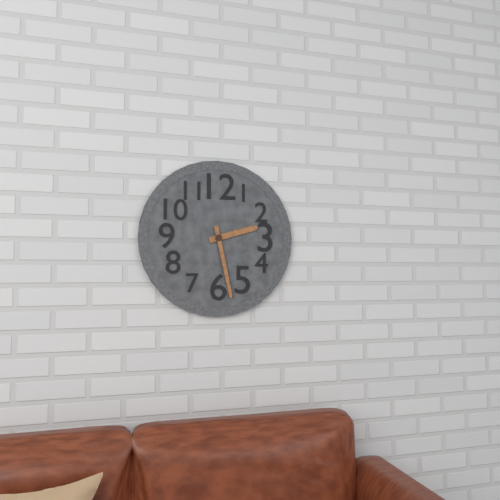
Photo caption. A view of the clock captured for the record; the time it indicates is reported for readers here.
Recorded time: 2:28
